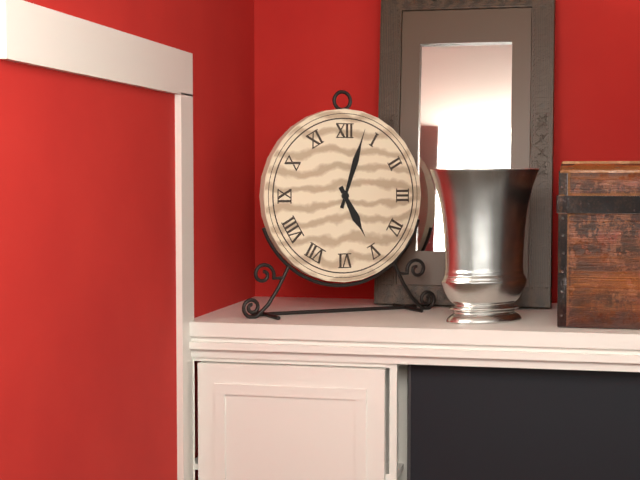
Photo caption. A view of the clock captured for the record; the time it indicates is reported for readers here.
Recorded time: 5:03
